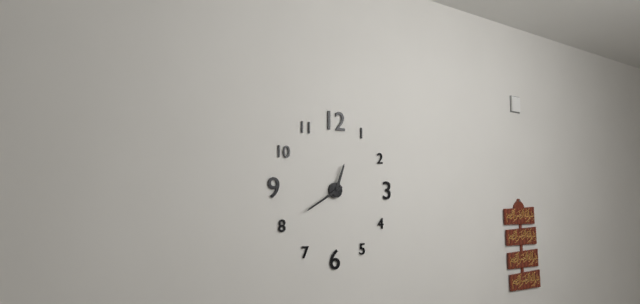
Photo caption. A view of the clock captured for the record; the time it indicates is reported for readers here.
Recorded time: 12:40
